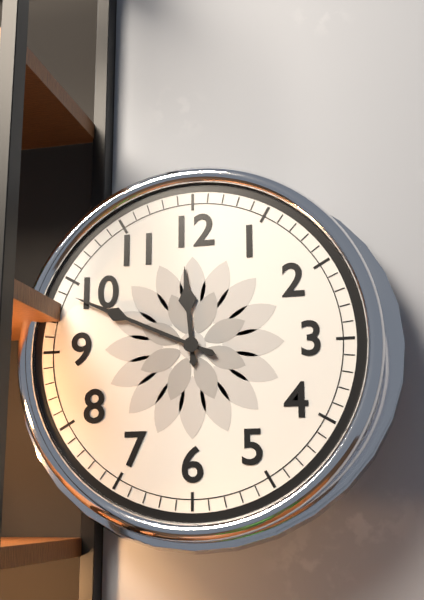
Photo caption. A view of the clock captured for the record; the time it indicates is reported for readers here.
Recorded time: 11:49
